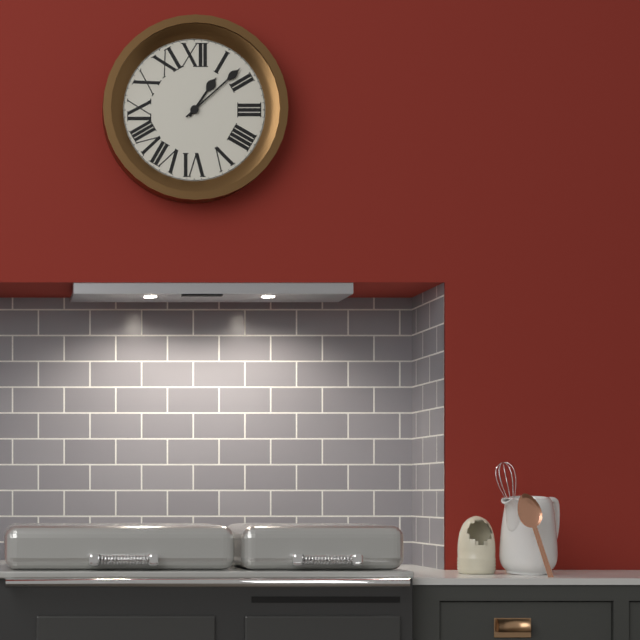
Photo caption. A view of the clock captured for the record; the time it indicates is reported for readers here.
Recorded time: 1:08
